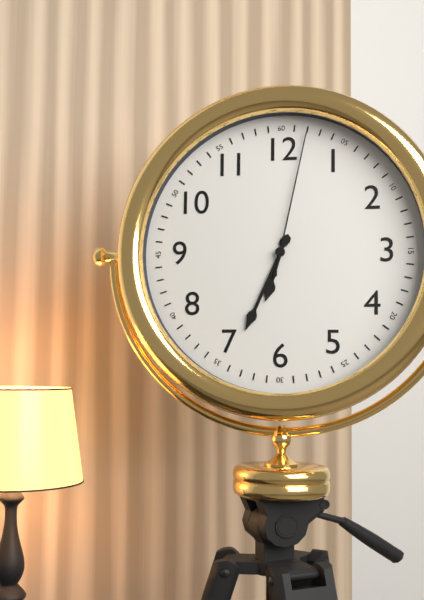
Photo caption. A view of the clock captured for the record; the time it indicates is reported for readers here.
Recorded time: 6:34:02
